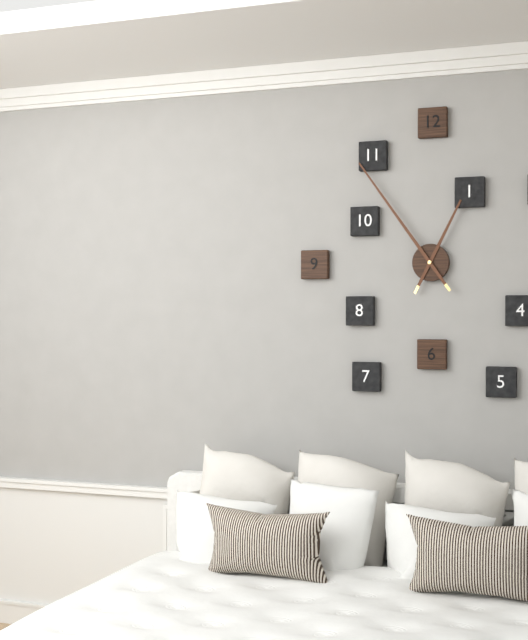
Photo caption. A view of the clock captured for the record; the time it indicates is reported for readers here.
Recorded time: 12:54
